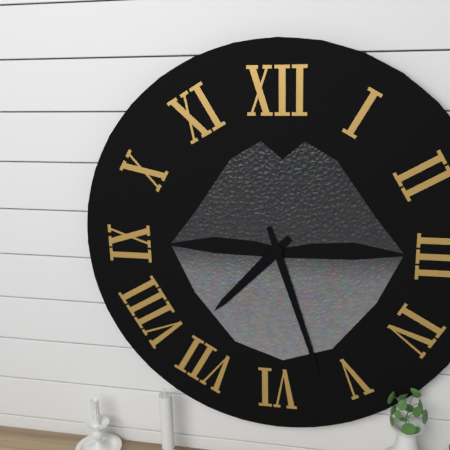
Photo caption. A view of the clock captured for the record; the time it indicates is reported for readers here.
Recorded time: 7:27
